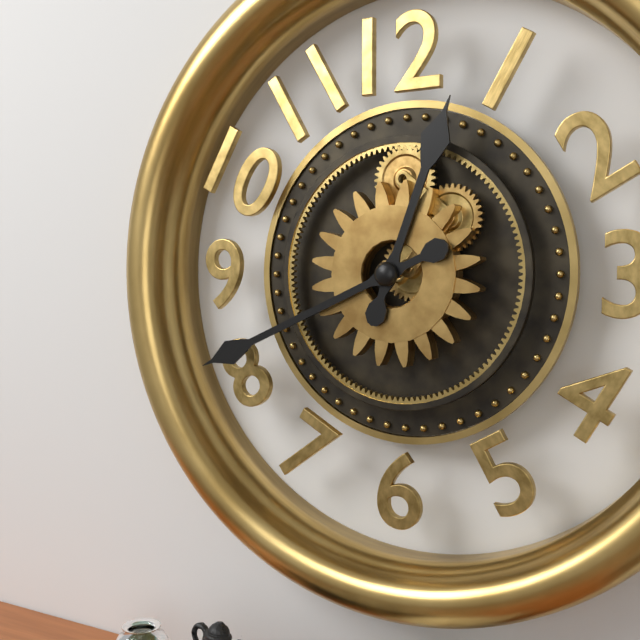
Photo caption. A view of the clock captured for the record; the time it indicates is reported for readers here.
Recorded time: 12:41
